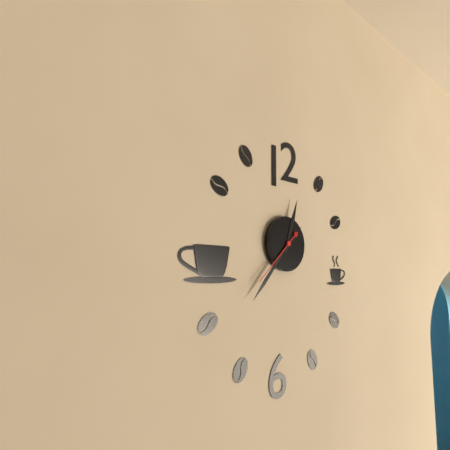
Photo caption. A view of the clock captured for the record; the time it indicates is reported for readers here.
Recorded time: 12:37:38
